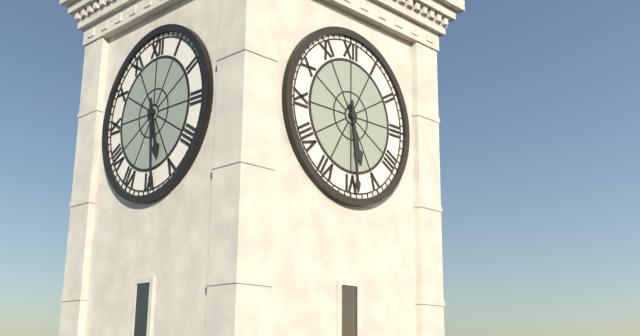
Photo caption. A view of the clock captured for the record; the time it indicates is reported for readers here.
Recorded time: 5:29
